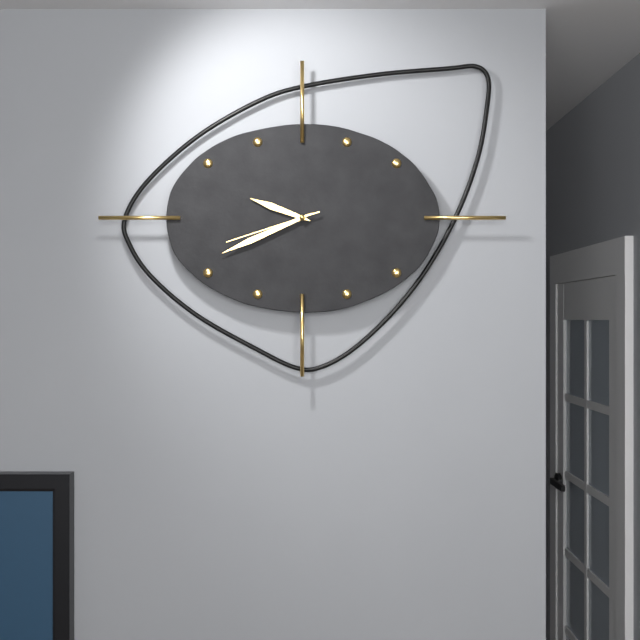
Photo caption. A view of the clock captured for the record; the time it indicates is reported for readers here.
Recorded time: 9:41:42
